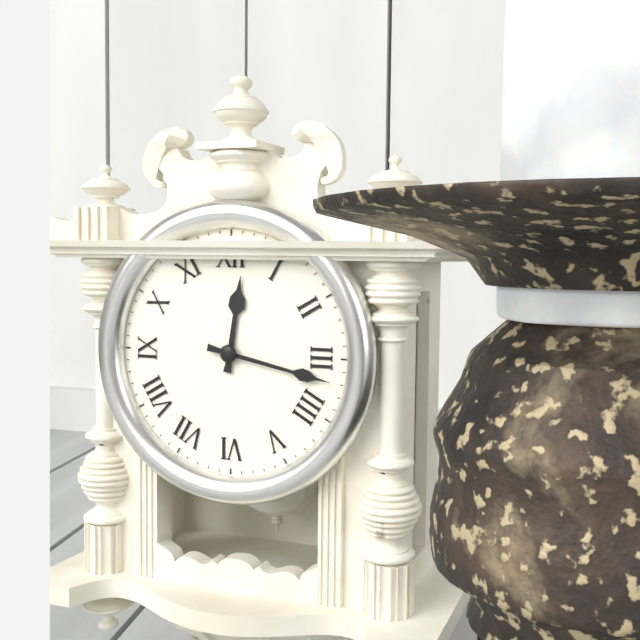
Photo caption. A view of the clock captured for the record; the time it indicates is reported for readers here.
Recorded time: 12:17
